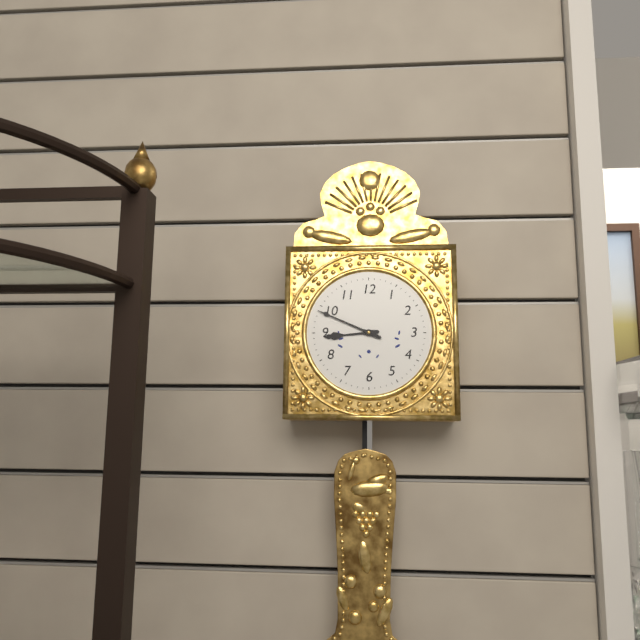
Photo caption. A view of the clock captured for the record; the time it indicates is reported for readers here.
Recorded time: 8:49
